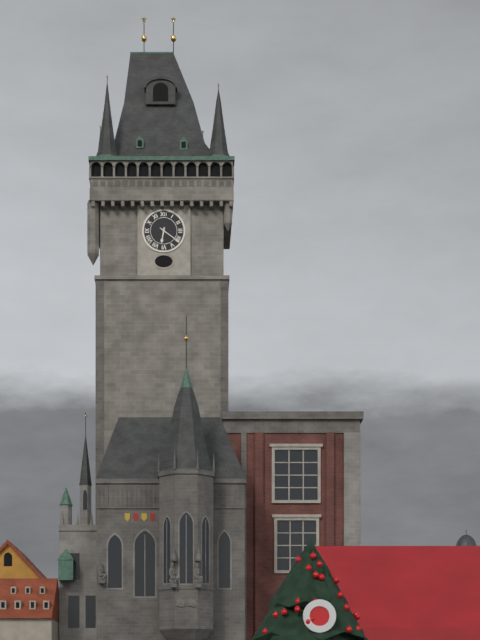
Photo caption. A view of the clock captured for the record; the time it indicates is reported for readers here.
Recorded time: 6:21
